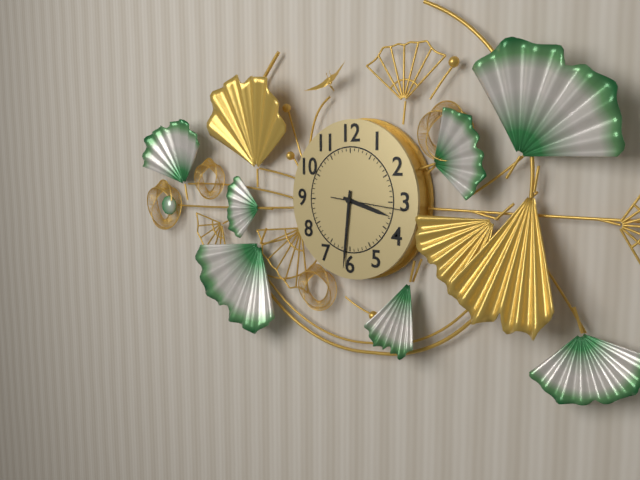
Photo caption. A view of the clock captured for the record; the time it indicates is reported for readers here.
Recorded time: 3:31:16
